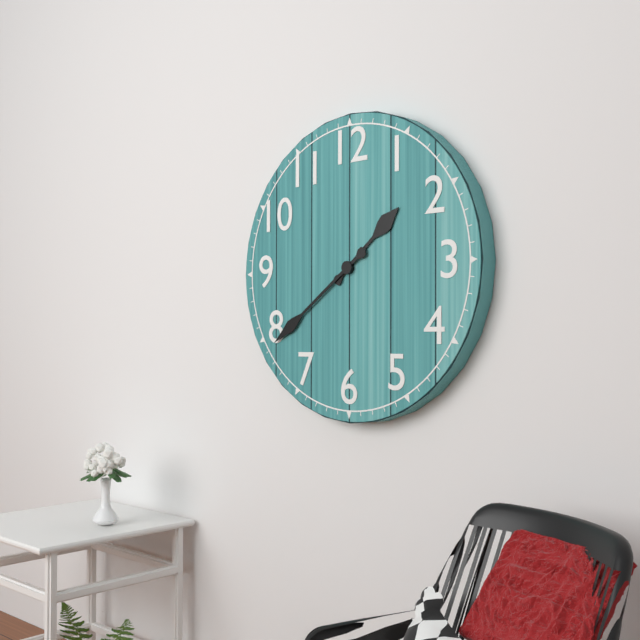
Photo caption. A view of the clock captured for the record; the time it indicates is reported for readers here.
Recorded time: 1:39
